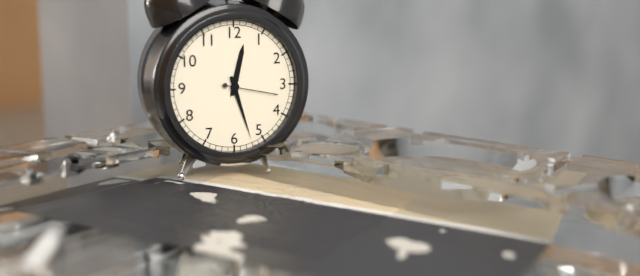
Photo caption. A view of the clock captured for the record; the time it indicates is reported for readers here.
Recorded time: 12:27:17
